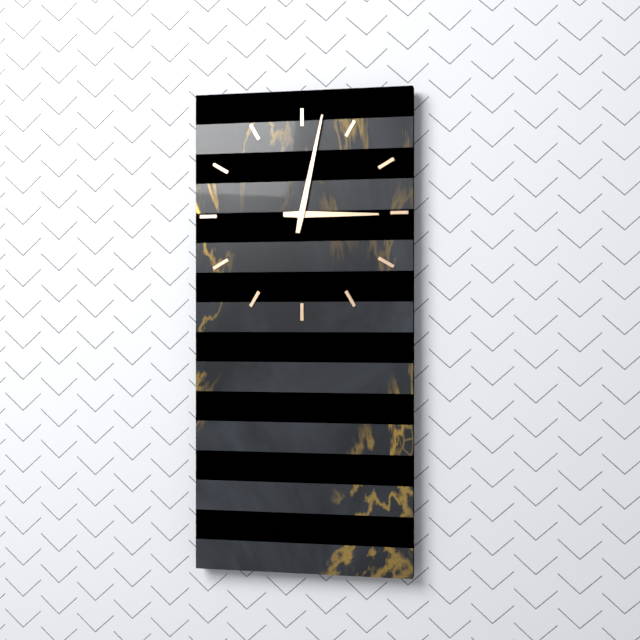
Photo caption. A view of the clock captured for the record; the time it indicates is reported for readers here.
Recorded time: 3:02
